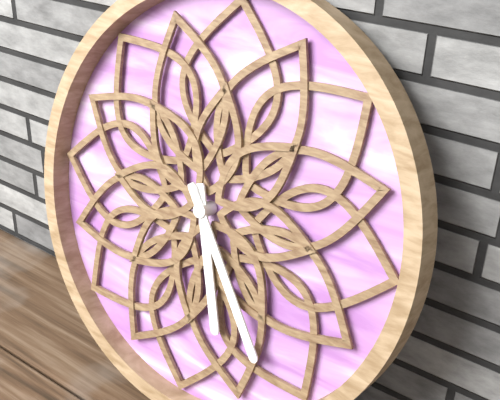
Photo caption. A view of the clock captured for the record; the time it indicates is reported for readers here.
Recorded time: 5:24
